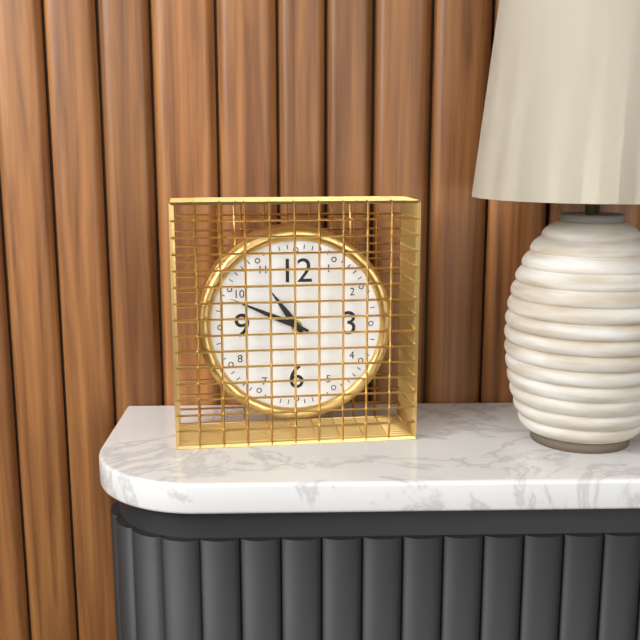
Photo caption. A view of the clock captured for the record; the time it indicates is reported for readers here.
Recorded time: 10:49
